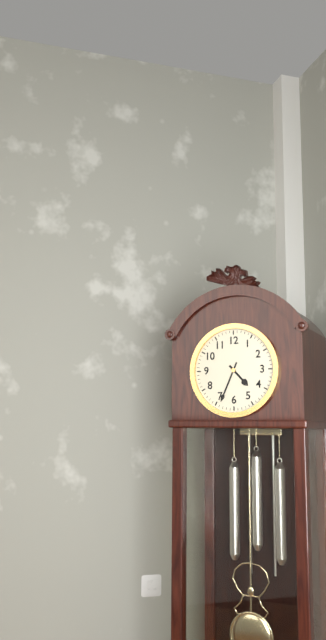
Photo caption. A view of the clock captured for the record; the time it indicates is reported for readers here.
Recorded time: 4:34
